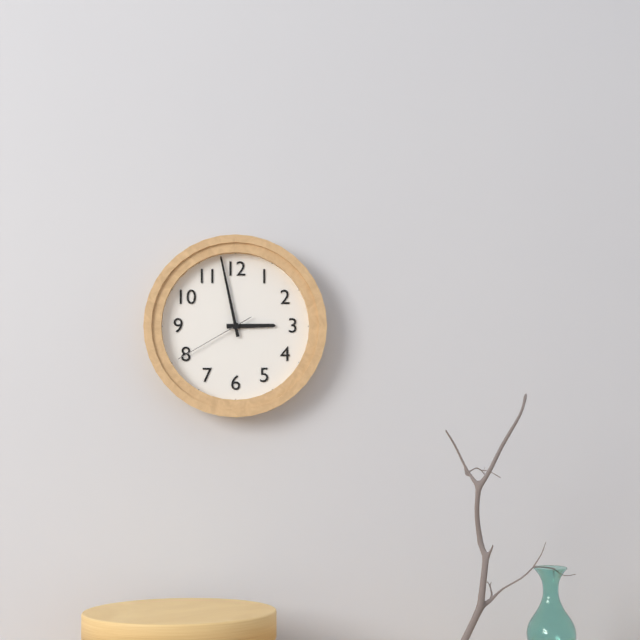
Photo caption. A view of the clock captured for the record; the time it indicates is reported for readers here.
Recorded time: 2:58:40
